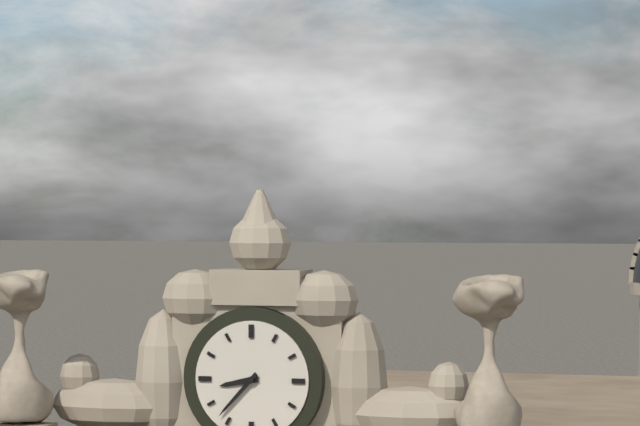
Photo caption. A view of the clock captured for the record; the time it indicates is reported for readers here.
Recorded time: 8:37
